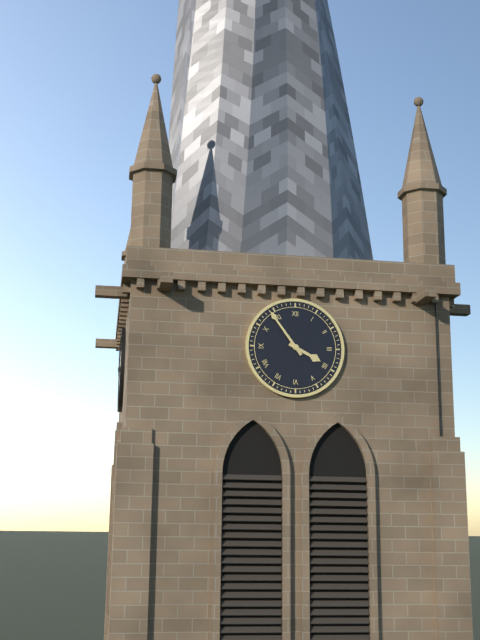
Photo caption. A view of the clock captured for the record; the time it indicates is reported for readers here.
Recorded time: 3:54
